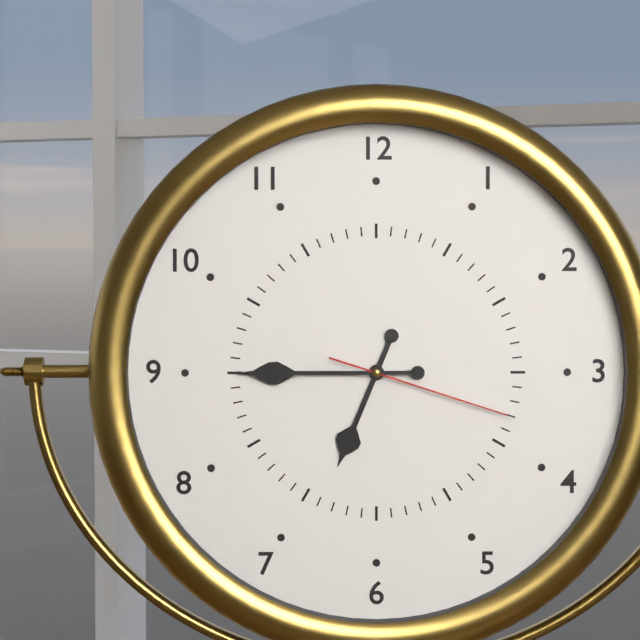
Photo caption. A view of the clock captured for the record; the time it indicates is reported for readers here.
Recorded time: 6:45:18
